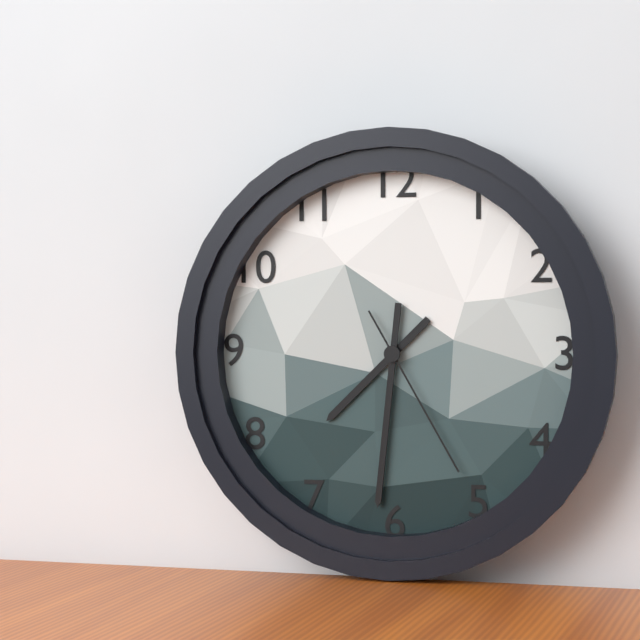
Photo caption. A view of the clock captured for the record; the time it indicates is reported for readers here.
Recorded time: 7:31:25
